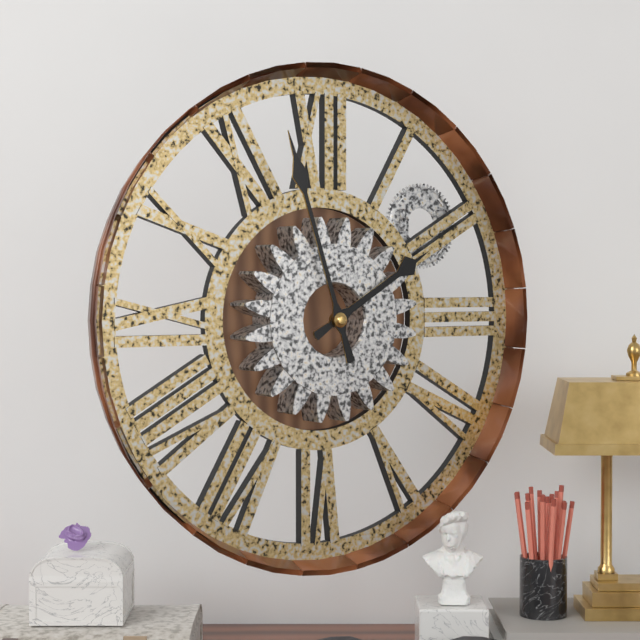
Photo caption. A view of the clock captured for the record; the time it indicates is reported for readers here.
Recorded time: 1:57
